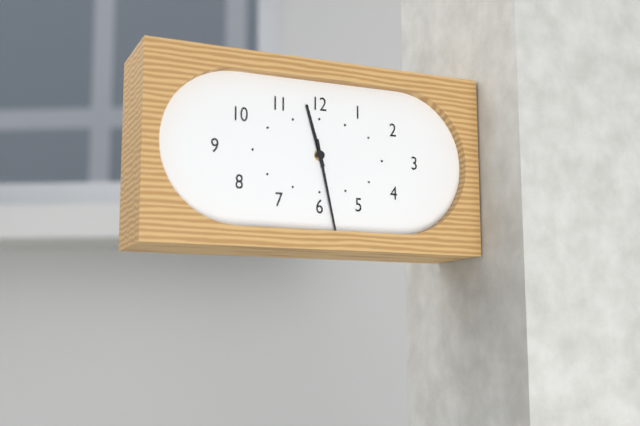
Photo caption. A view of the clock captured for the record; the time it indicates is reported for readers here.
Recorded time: 11:28
